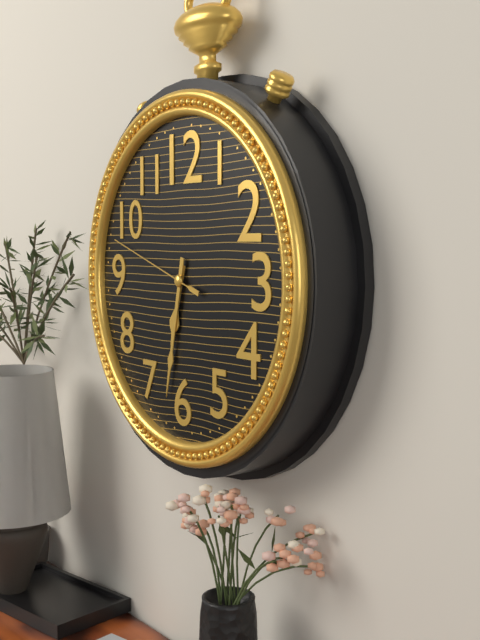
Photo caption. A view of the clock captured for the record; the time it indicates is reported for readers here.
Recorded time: 6:32:48
